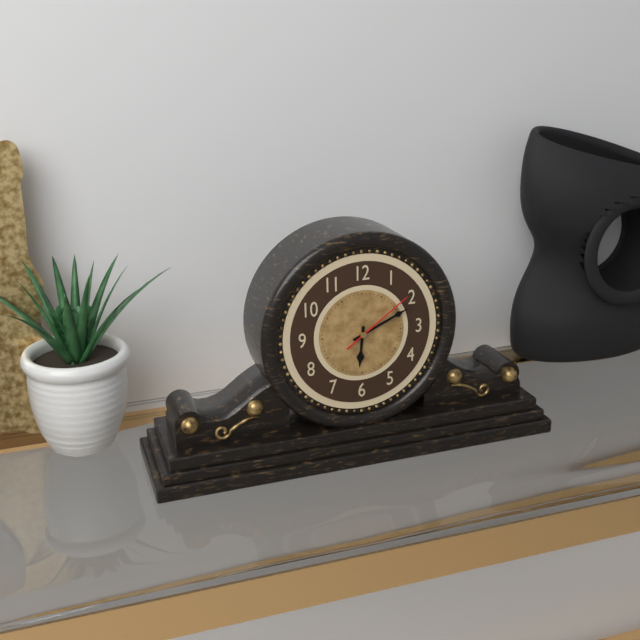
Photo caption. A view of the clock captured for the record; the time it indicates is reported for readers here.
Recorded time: 6:11:09
